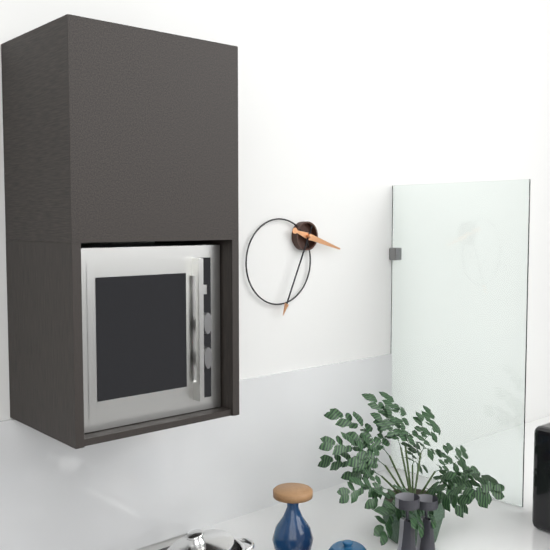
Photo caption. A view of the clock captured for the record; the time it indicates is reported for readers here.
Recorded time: 3:34
